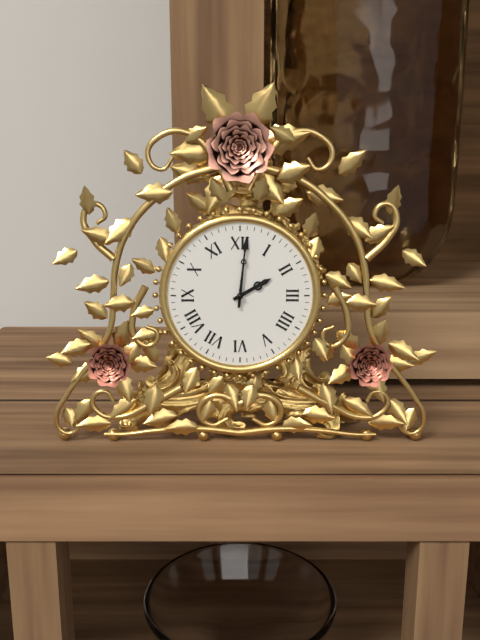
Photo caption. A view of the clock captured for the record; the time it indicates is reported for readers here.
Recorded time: 2:01
